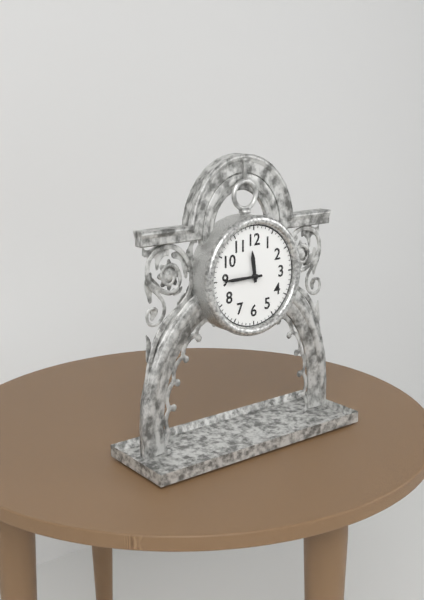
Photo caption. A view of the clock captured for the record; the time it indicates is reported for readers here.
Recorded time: 11:45
